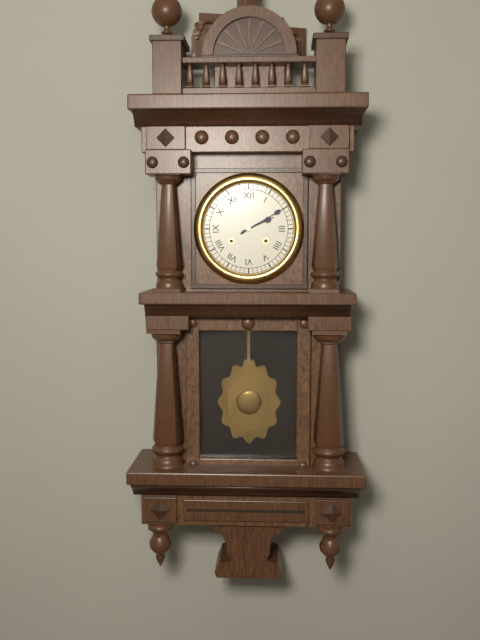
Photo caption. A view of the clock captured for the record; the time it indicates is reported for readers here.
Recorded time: 2:10
